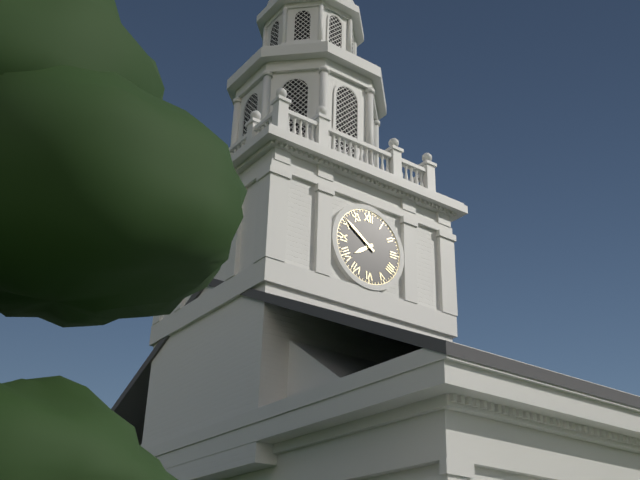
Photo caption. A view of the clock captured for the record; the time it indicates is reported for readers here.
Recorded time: 7:51
